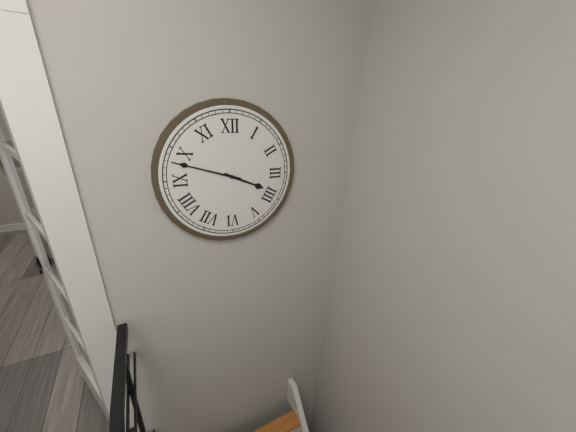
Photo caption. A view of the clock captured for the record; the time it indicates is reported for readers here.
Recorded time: 3:48
